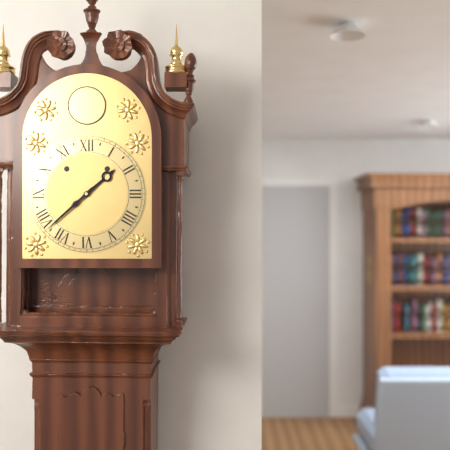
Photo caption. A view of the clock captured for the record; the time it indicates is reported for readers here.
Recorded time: 1:38
